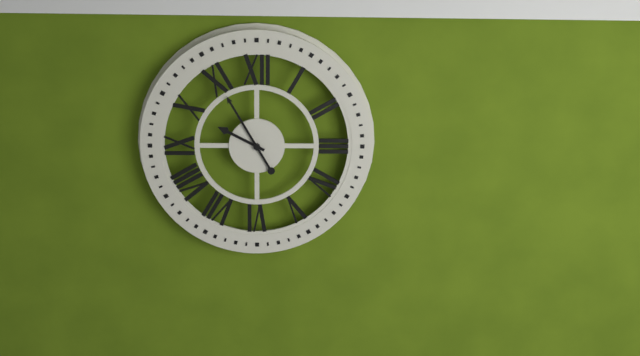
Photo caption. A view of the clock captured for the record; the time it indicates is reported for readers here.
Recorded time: 9:55
